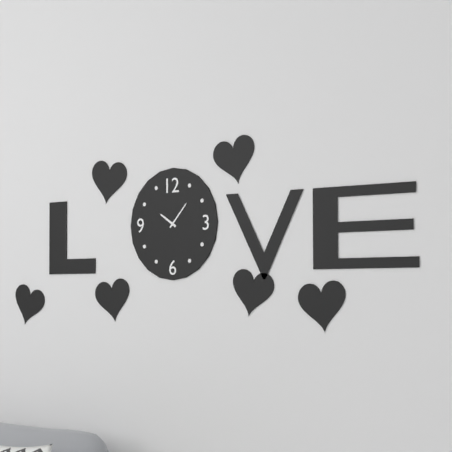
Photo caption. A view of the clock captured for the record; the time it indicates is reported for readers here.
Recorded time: 10:07
